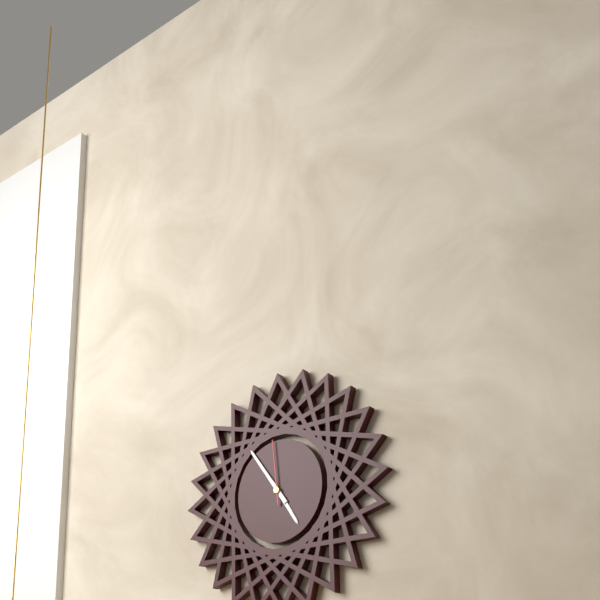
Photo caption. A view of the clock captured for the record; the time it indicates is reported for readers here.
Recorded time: 4:54:59
